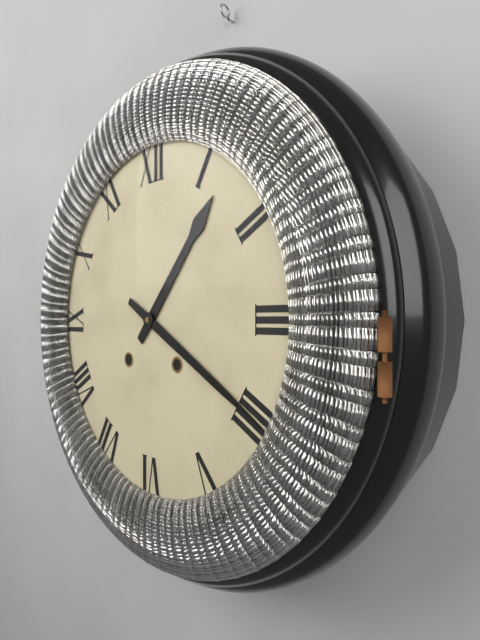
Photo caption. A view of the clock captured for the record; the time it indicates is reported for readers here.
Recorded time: 1:20
